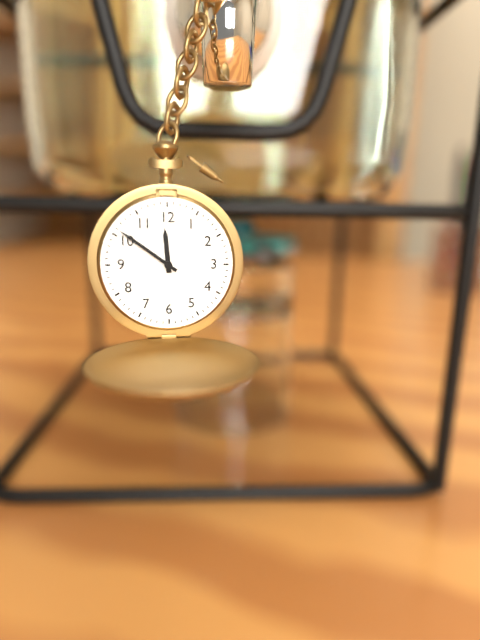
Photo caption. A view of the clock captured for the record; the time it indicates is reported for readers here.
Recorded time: 11:51
